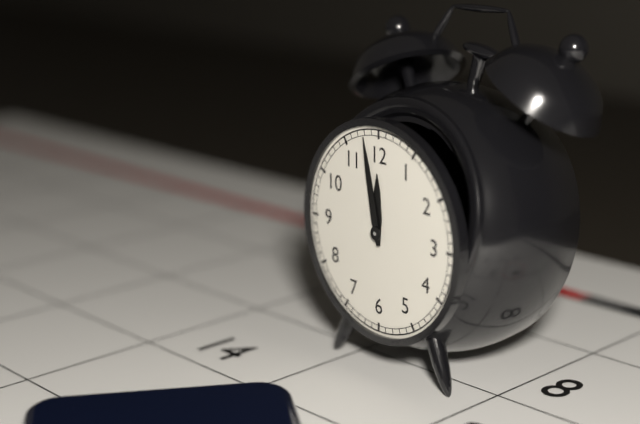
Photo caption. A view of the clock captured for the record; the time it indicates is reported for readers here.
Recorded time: 11:58
